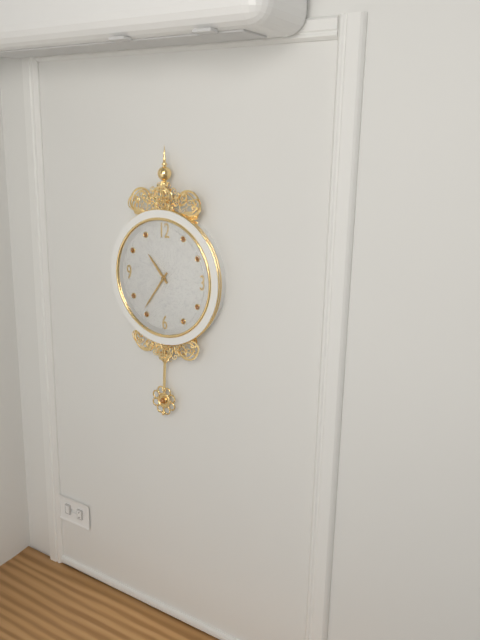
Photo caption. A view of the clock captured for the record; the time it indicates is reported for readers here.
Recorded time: 10:36
